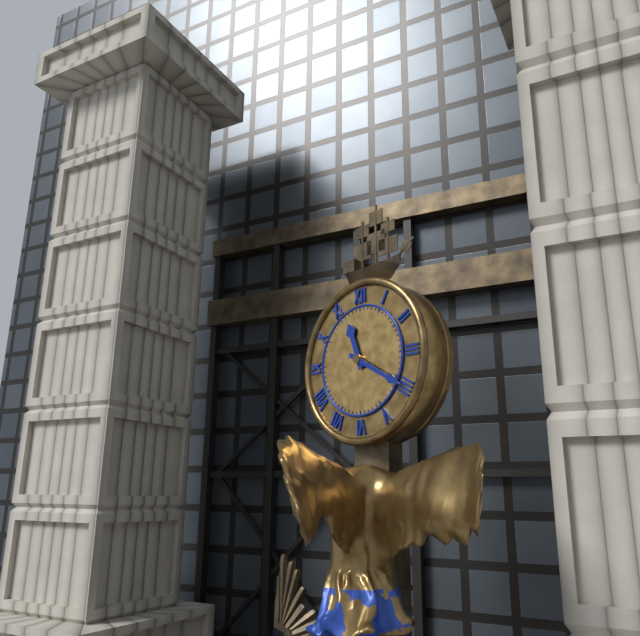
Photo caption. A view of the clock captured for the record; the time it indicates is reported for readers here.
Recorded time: 11:20
